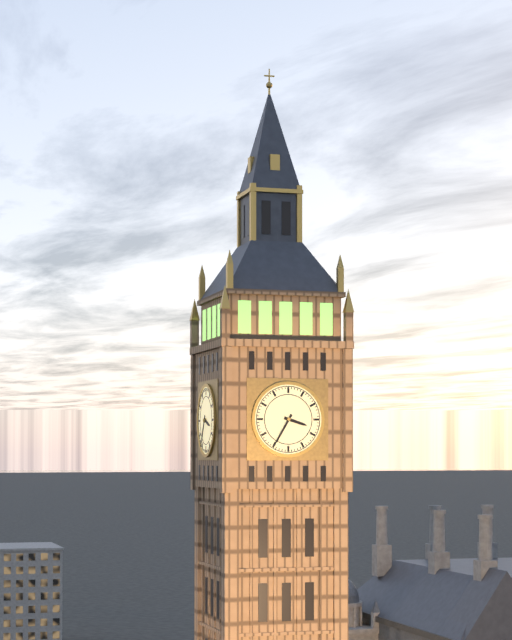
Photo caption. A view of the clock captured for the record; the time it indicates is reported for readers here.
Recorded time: 3:35
